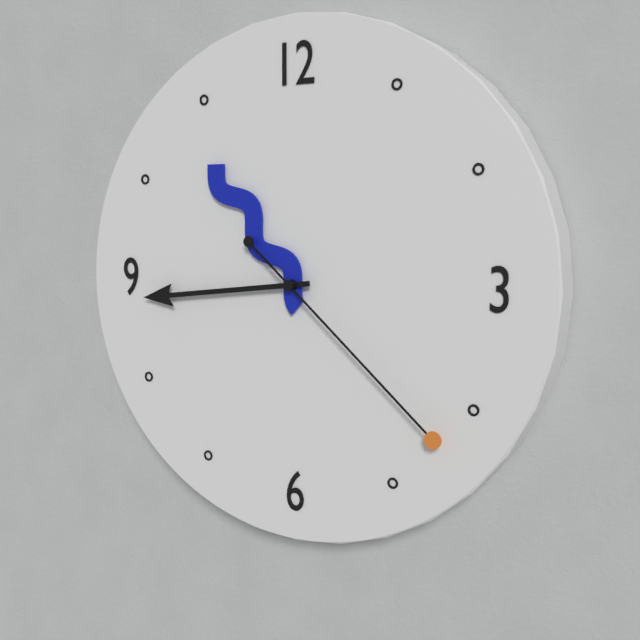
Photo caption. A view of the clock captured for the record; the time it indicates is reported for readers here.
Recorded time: 10:44:22
